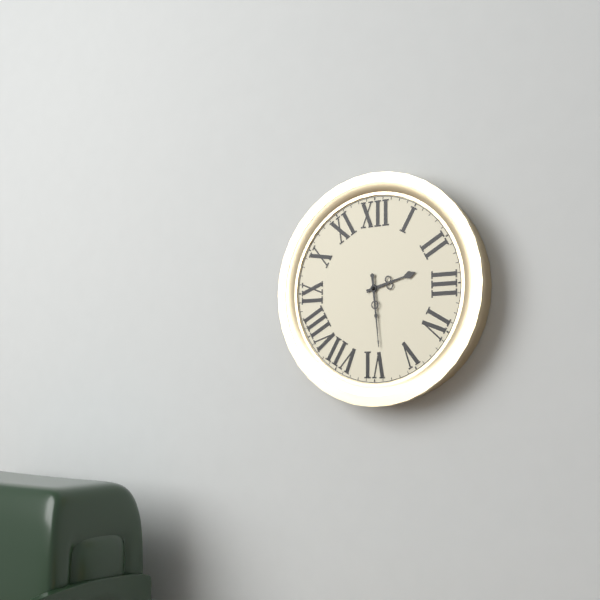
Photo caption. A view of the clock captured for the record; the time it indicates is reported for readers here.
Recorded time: 2:29
